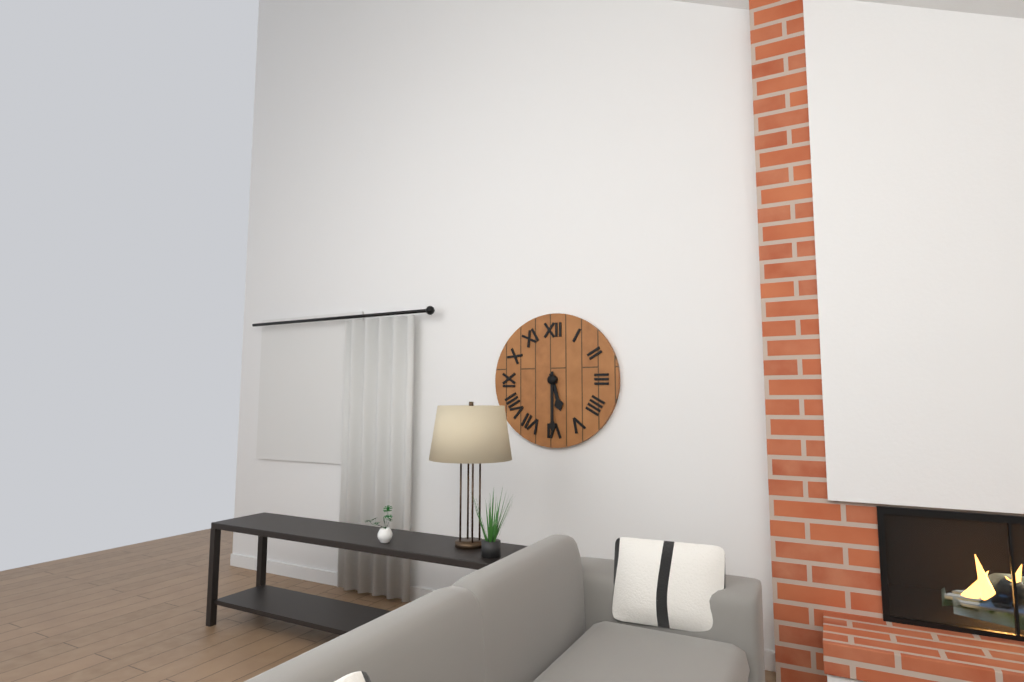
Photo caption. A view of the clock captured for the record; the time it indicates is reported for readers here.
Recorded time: 5:30
